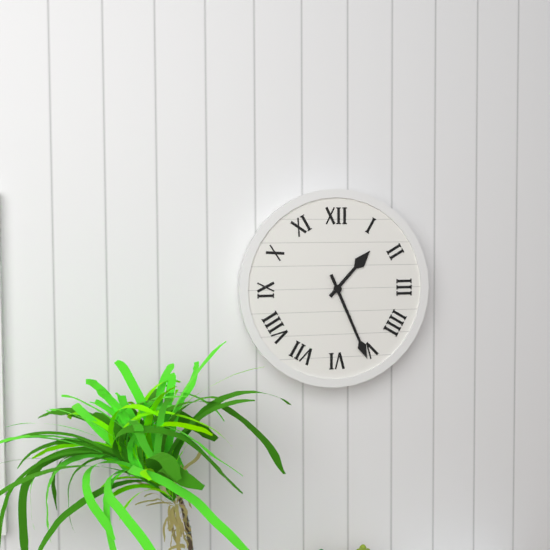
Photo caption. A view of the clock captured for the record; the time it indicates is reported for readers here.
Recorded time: 1:26
